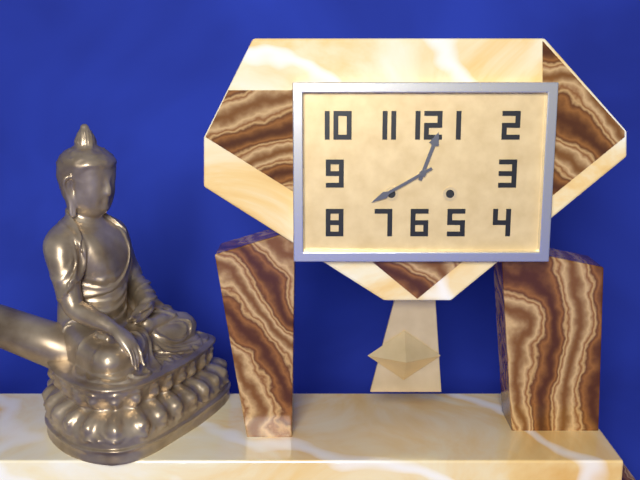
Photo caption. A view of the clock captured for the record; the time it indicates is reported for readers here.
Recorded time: 12:40
